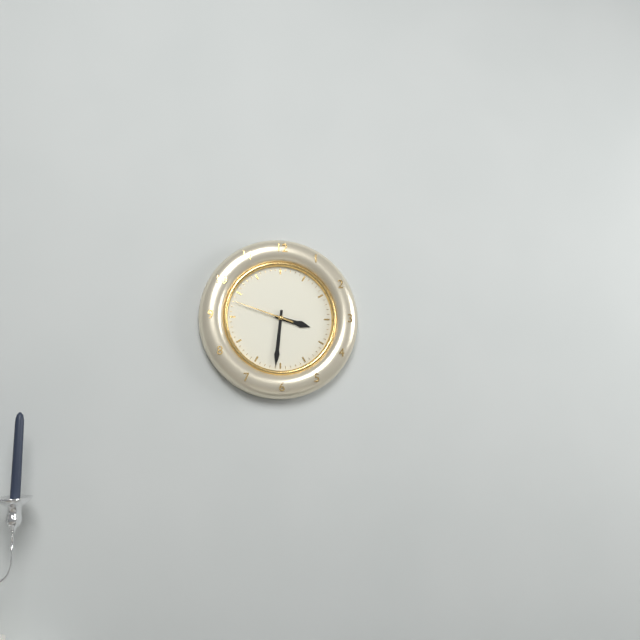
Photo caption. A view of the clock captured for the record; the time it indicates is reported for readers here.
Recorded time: 3:31:48
